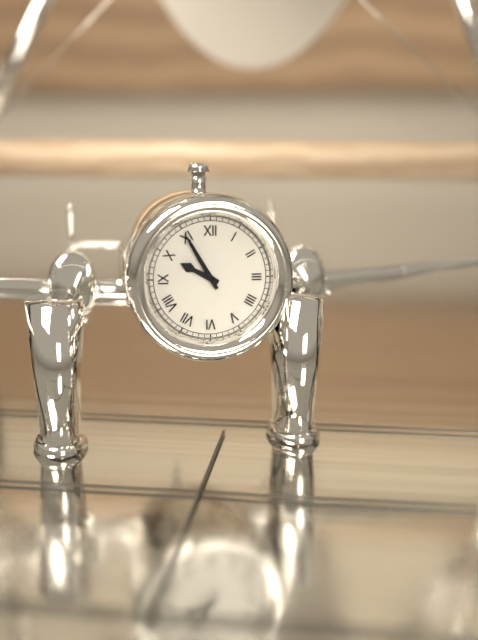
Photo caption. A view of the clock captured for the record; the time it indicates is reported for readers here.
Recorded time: 9:55
